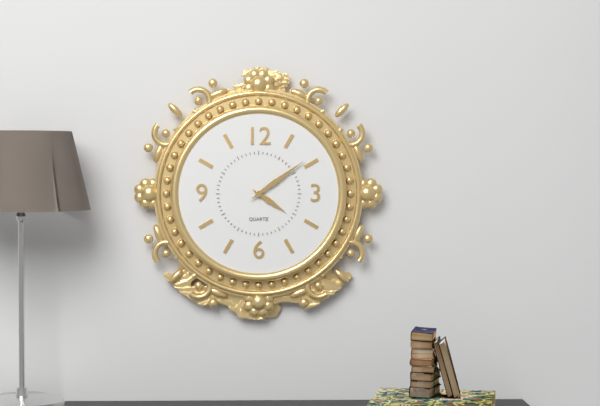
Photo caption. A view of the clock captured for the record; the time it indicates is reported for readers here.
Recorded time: 4:09
